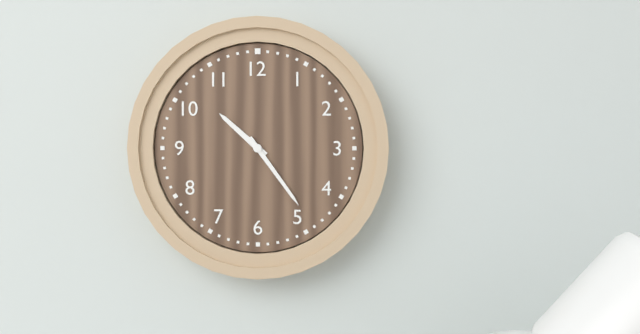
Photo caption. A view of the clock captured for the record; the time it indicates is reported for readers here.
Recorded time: 10:24
